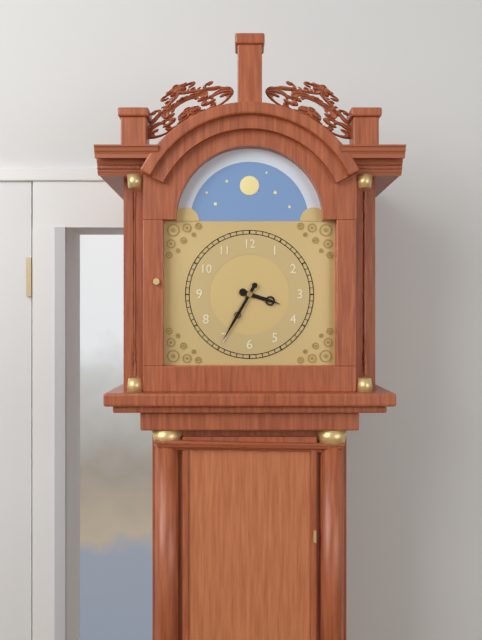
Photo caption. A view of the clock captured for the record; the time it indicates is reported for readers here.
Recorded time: 3:35
